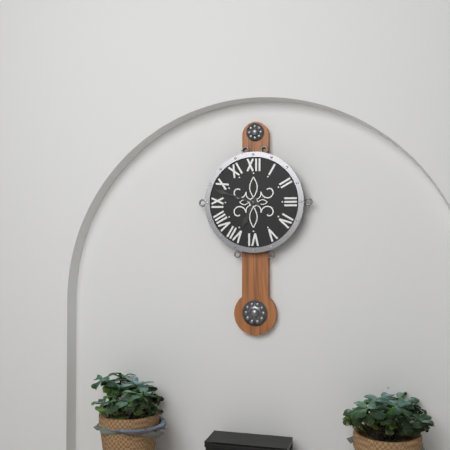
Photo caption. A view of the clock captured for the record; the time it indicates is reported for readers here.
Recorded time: 6:48
